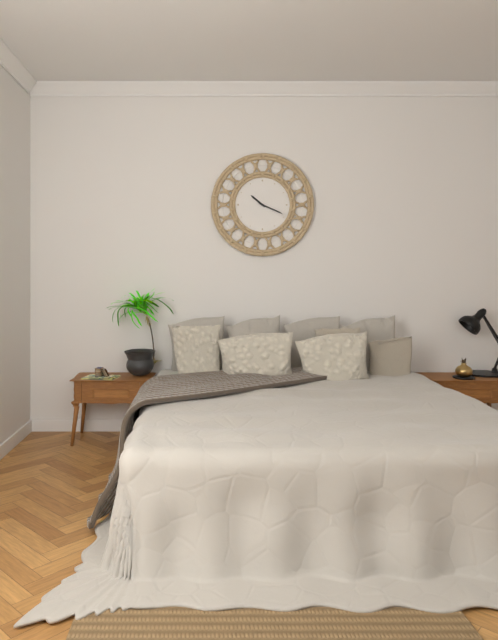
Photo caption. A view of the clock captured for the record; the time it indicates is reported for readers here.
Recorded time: 10:19
